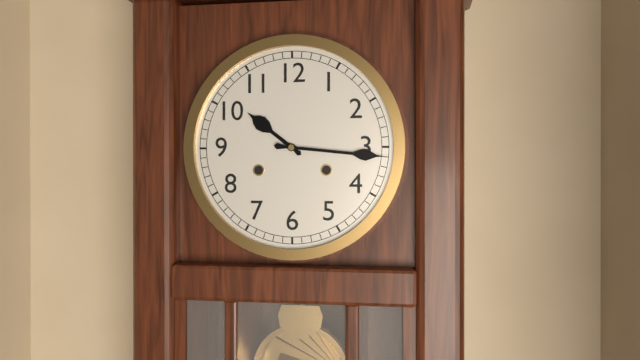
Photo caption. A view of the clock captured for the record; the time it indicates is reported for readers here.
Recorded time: 10:16
